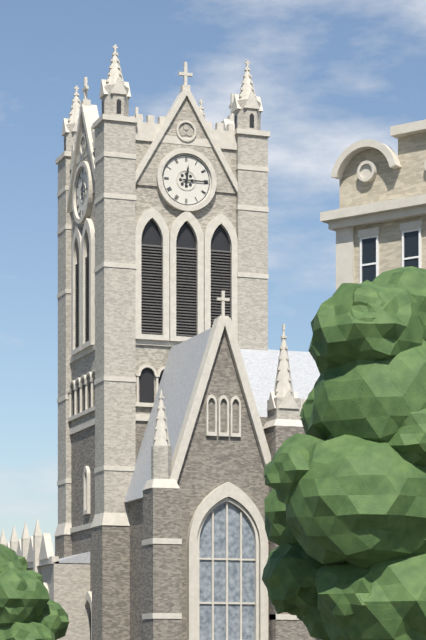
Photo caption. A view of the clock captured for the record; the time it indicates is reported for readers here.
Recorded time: 12:15
